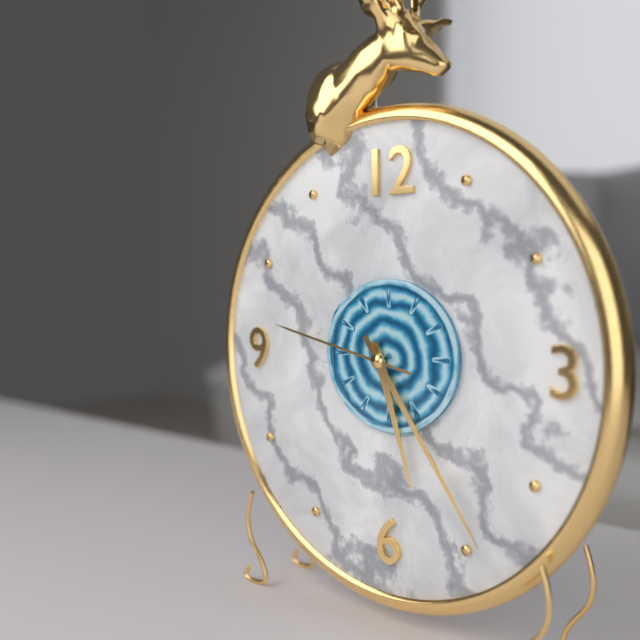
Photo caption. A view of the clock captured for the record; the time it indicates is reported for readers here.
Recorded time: 5:24:47
